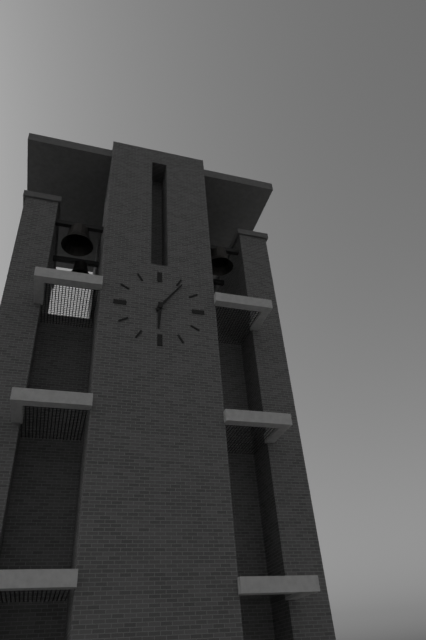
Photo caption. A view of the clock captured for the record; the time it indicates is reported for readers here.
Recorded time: 6:06
